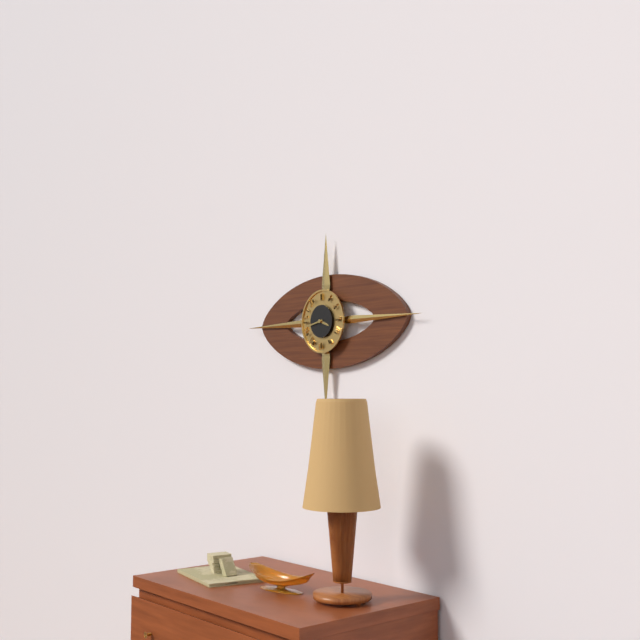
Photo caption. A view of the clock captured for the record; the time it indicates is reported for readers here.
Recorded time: 3:43
